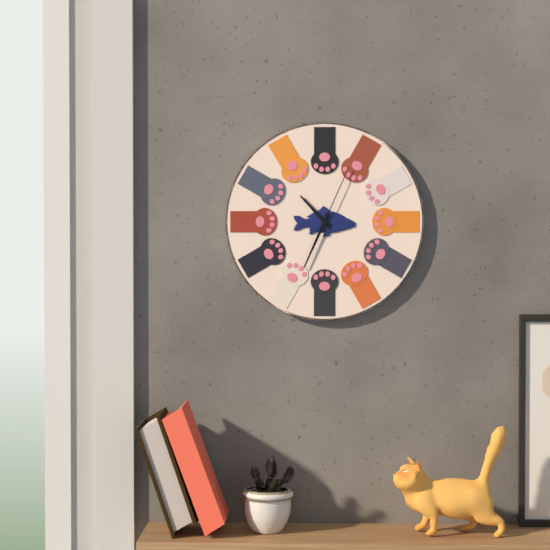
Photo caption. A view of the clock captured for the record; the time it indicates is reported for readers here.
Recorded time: 10:34:04
